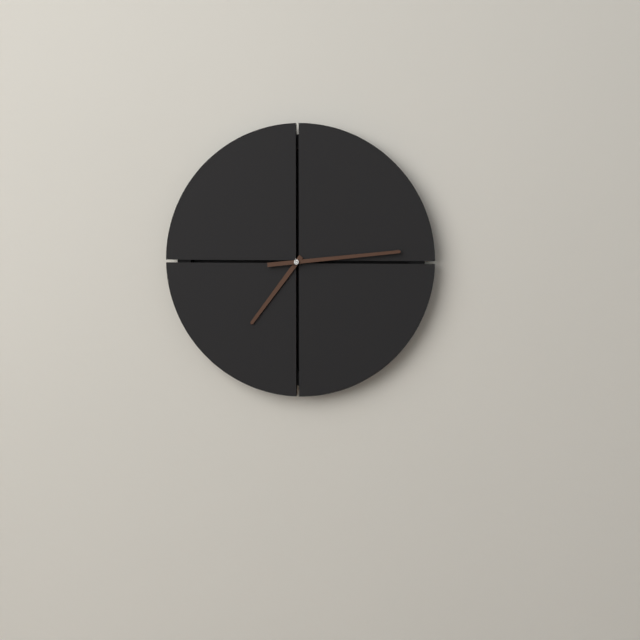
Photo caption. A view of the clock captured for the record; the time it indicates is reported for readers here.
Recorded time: 7:14
